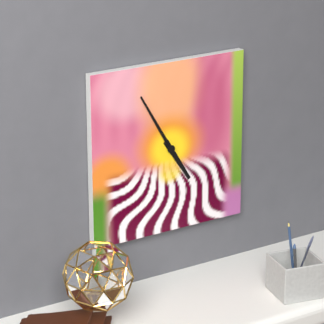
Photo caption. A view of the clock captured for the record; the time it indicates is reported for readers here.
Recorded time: 4:55
